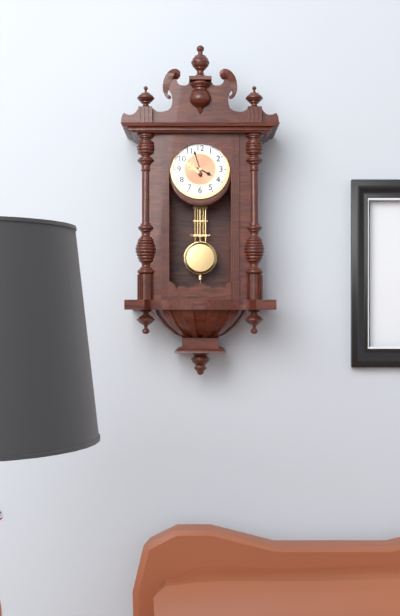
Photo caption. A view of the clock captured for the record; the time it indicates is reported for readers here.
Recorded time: 3:57
